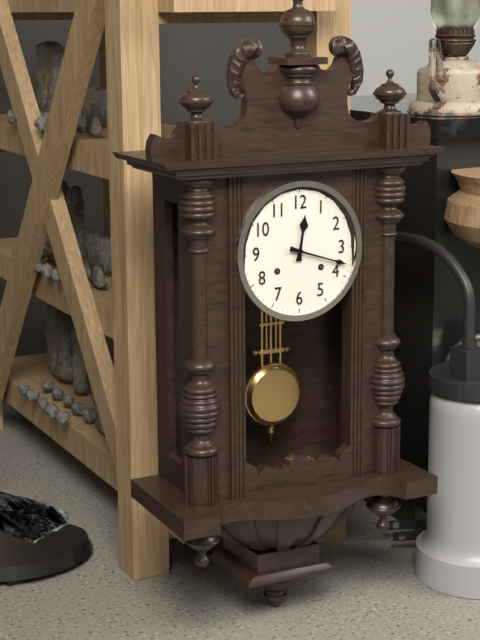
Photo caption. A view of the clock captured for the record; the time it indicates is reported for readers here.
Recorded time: 12:18
